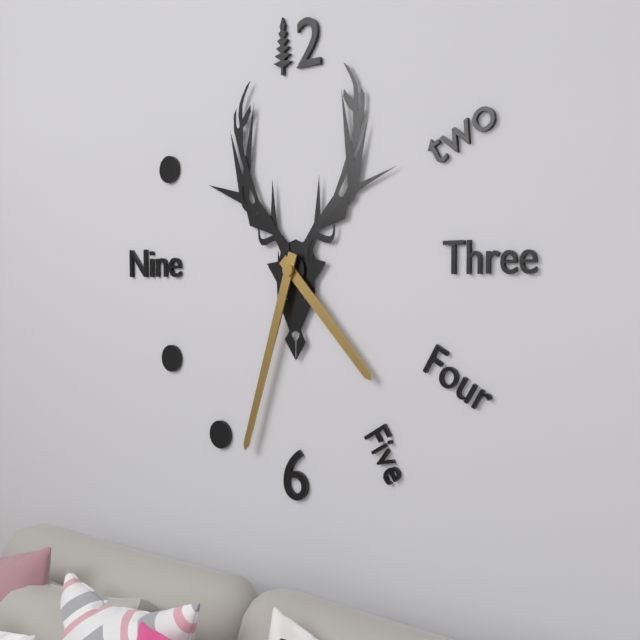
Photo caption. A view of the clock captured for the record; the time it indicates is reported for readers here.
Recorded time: 4:33
